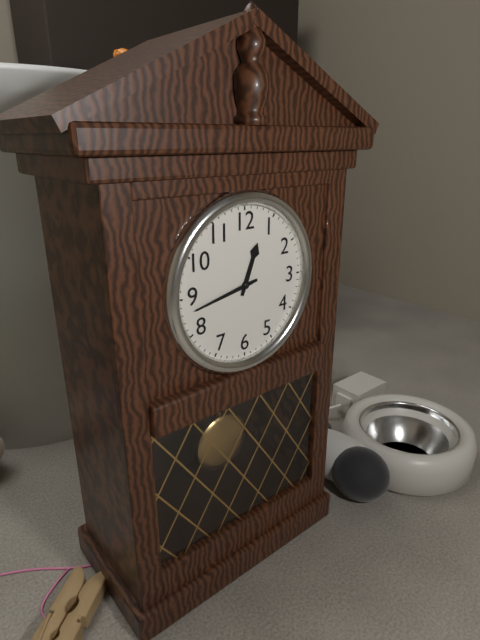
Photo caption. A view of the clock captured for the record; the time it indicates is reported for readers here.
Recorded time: 12:43
